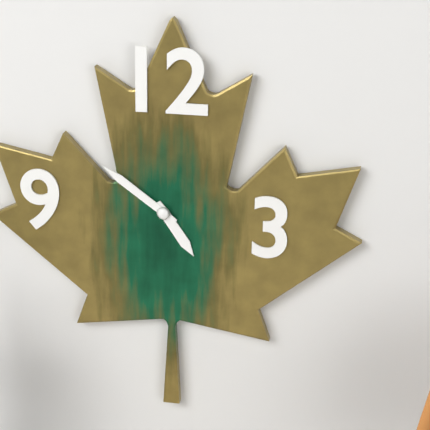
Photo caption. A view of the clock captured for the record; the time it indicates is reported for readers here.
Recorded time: 4:51
